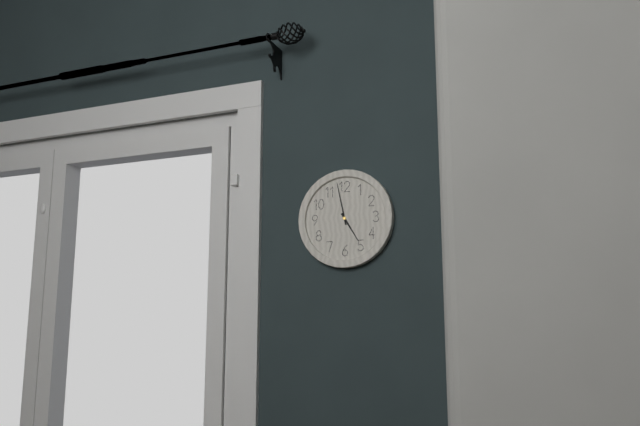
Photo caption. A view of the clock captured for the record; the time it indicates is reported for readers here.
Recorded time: 4:58
